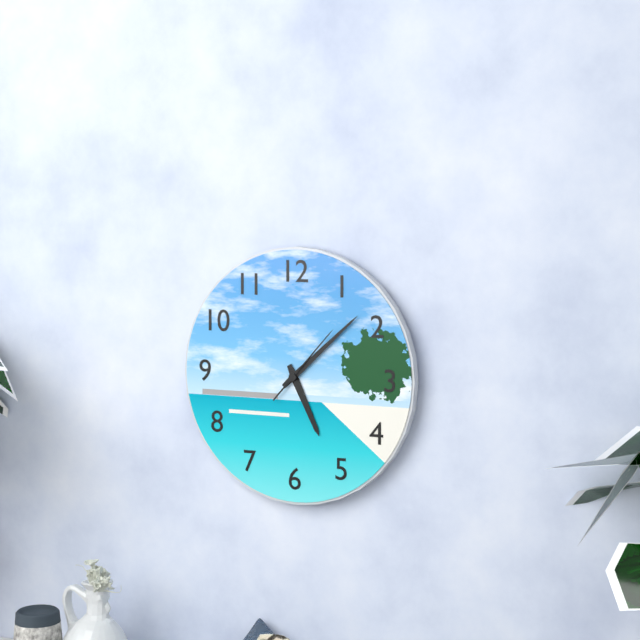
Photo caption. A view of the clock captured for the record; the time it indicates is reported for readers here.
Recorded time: 5:08:07
